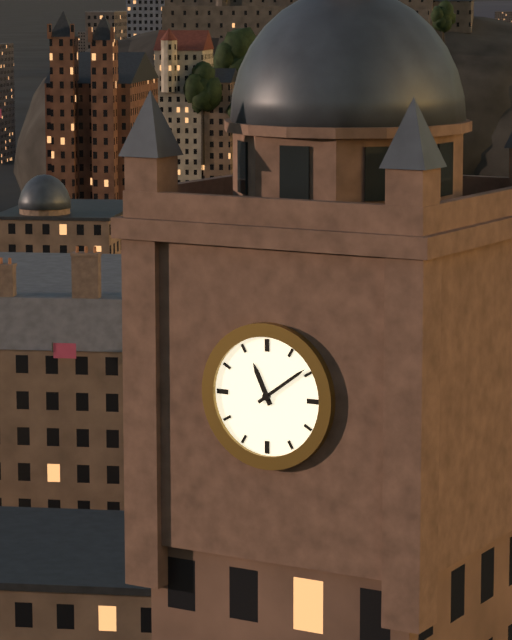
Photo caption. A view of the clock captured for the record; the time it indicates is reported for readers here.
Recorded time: 11:09
